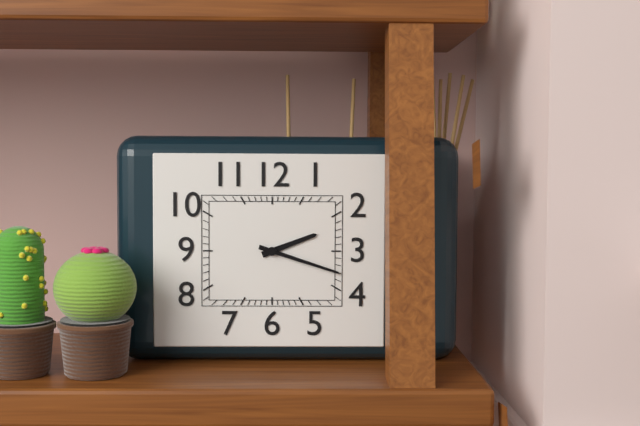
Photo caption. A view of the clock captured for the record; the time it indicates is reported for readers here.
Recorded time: 2:18
